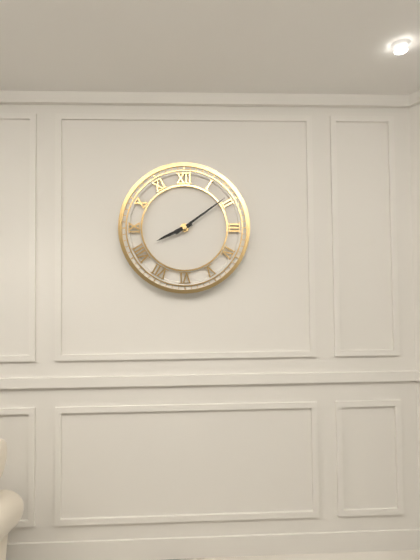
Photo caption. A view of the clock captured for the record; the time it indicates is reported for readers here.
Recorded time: 8:09
